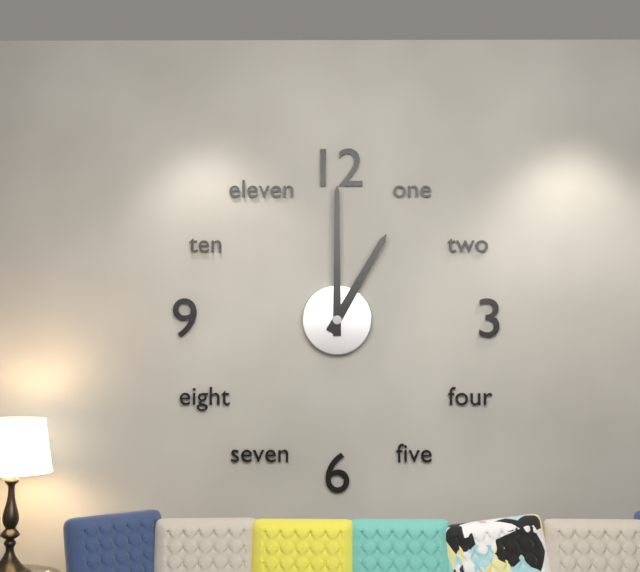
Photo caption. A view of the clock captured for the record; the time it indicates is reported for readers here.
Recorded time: 1:00
